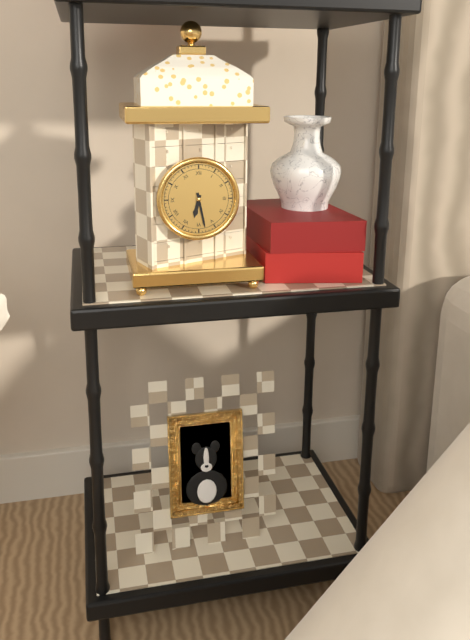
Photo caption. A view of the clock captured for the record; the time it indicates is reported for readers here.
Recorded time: 6:28
